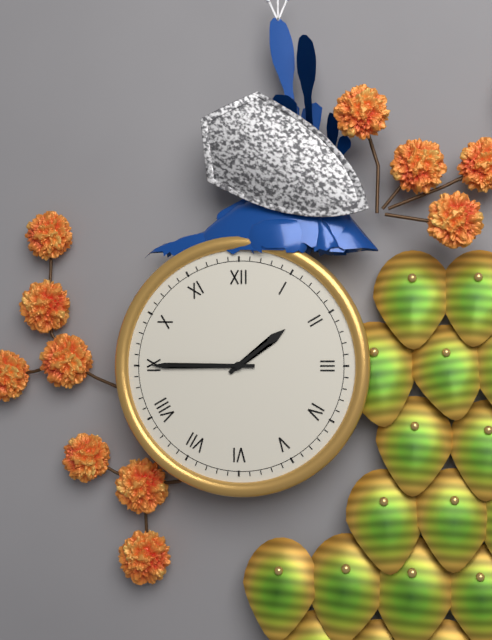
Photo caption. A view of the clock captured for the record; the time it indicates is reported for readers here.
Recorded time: 1:45
